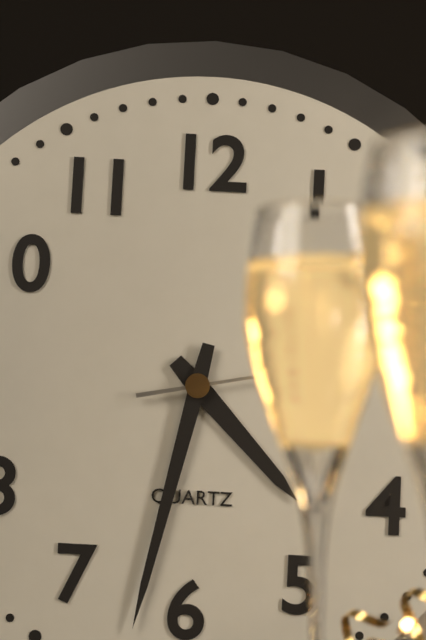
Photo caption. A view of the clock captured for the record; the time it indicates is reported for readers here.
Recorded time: 4:32
